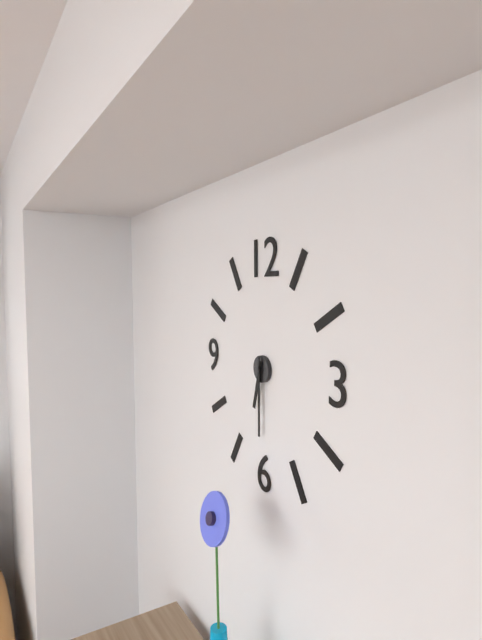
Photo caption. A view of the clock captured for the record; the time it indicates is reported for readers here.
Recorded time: 6:30
